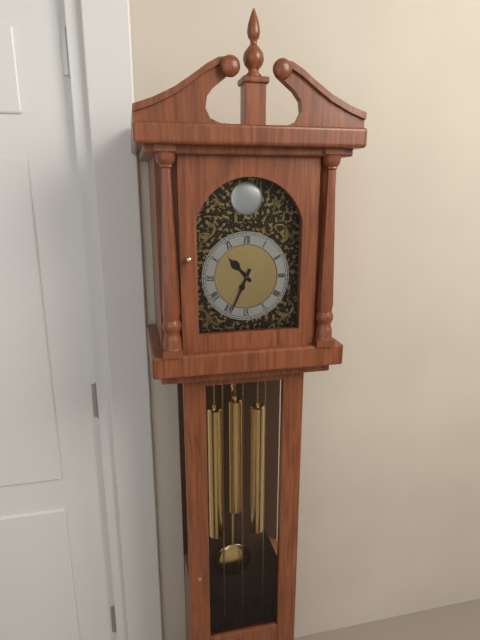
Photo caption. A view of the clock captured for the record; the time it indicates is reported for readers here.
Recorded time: 10:34
